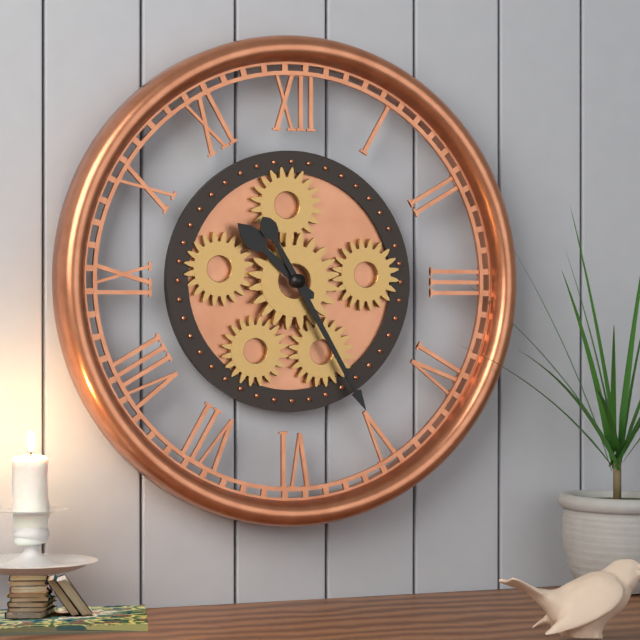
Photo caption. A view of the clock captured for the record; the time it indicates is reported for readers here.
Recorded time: 10:25
